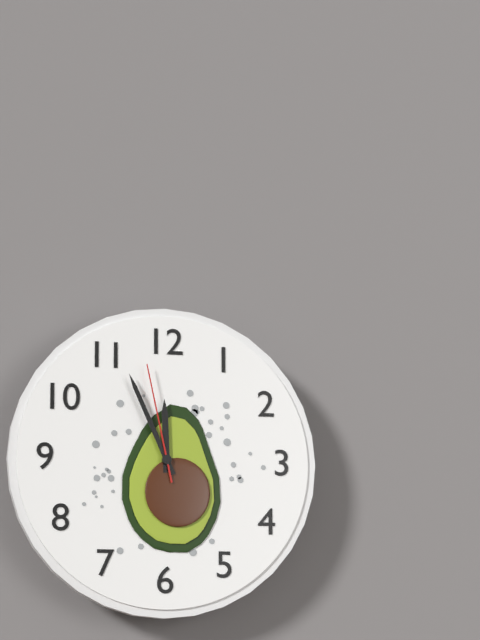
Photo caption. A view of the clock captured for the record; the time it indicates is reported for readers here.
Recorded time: 11:56:58
